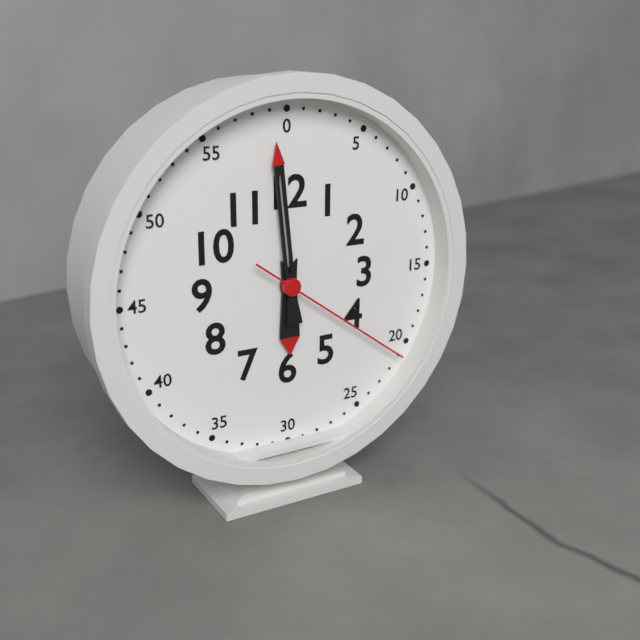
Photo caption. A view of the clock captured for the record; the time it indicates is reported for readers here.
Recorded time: 5:59:21
